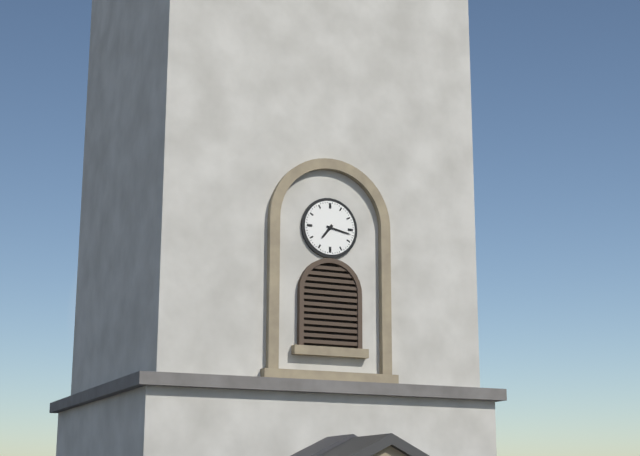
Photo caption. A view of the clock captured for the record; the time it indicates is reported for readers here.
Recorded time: 7:17
